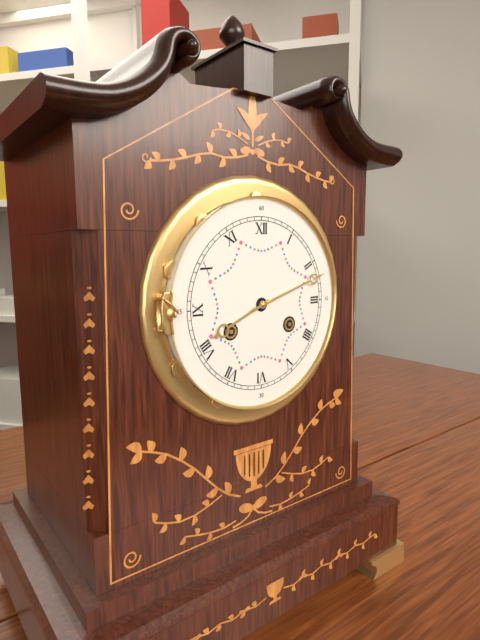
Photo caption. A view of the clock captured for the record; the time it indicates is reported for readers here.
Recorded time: 8:12
